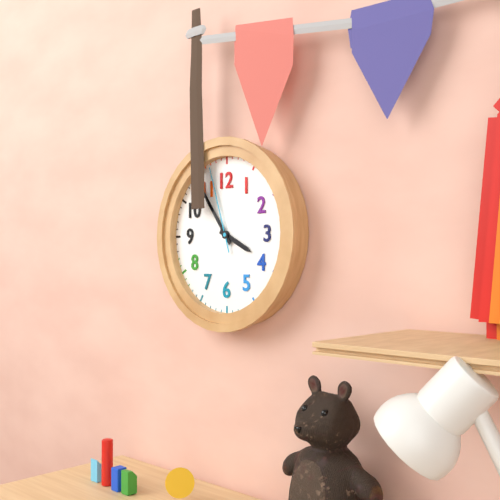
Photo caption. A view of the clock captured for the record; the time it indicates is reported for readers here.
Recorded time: 3:54:57
